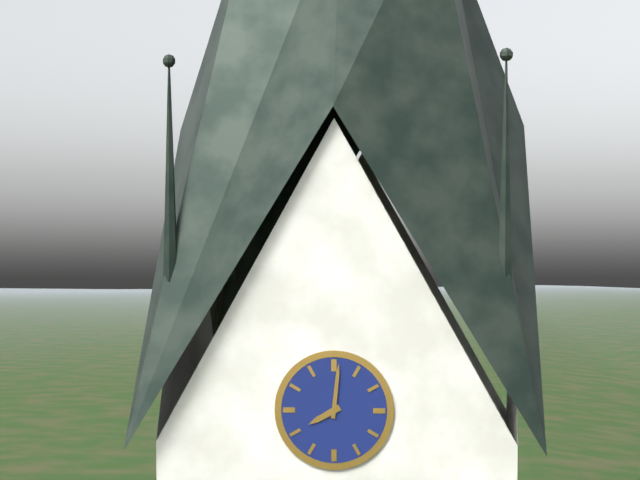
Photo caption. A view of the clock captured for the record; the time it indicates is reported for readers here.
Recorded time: 8:01
